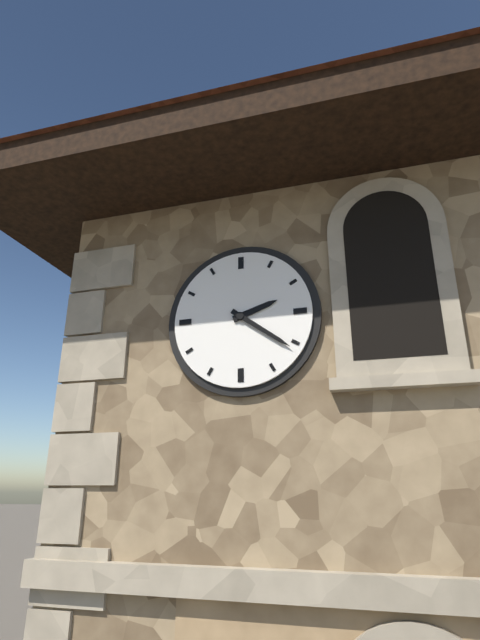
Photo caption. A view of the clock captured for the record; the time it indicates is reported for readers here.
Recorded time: 2:21
